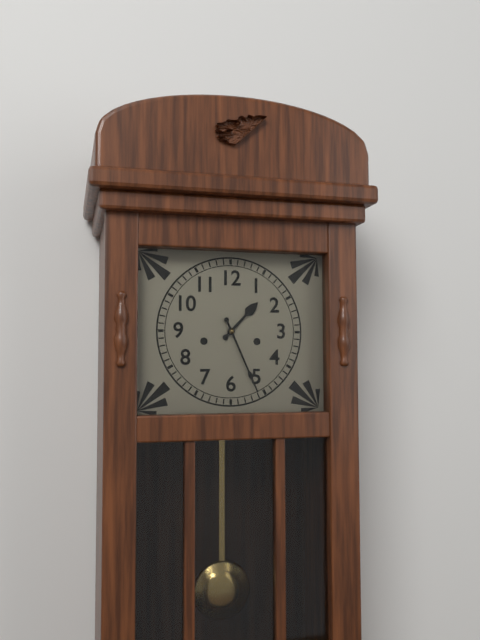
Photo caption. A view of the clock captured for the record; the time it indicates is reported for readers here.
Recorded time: 1:26
